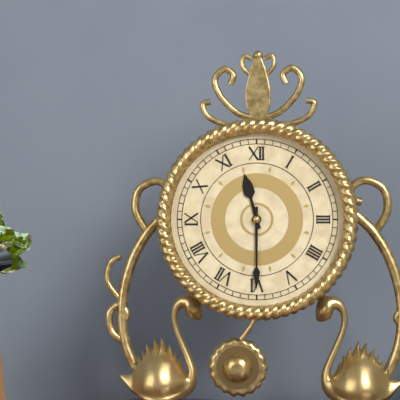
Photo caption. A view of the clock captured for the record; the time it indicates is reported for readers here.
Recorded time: 11:30
